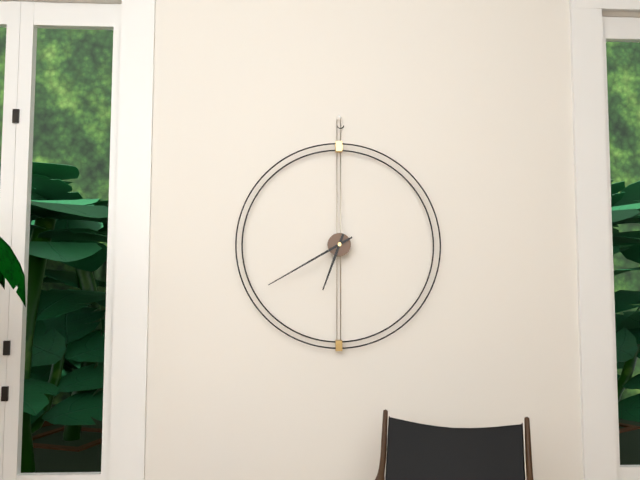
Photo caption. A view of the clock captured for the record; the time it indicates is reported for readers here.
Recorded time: 6:40
